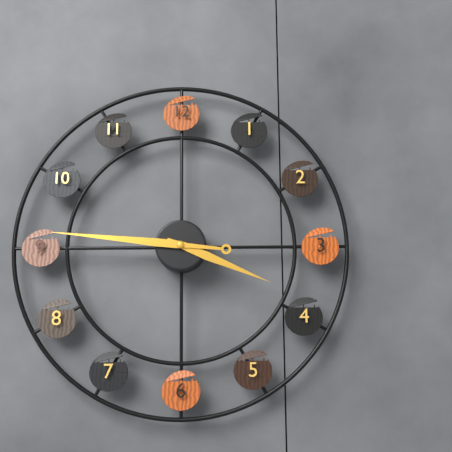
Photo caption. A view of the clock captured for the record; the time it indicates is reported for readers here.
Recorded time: 3:46
